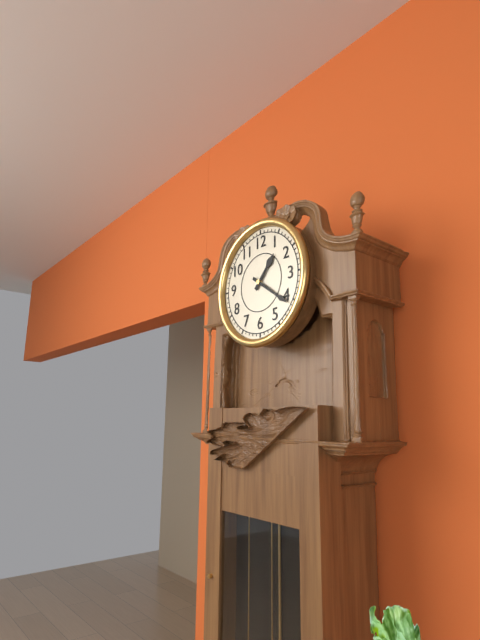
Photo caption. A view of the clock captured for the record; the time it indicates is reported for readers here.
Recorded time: 1:21
